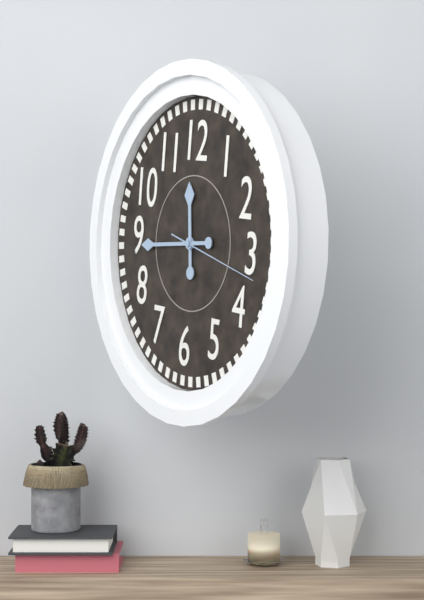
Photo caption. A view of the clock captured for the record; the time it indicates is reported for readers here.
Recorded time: 11:44:17
